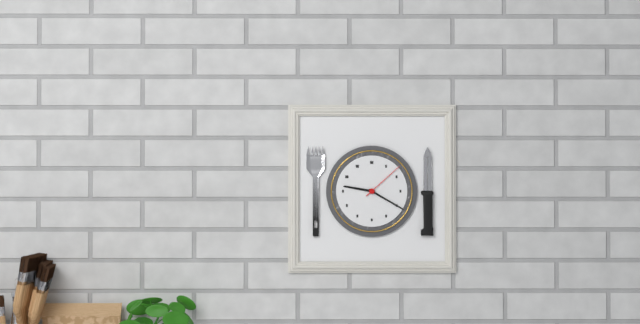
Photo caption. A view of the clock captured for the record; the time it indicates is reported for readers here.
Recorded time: 9:20
